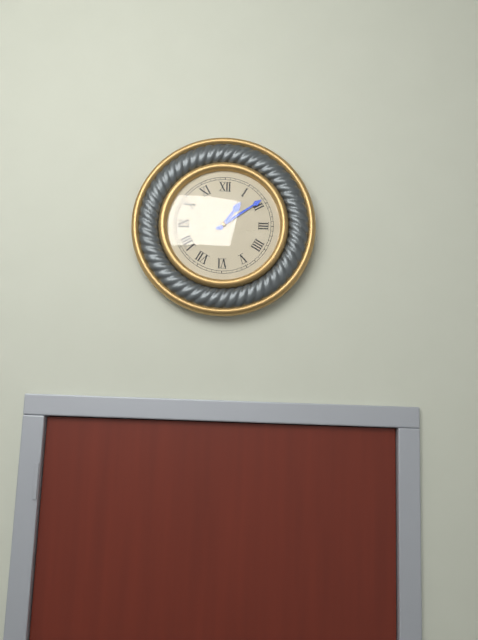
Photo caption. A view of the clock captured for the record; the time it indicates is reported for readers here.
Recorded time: 1:09
